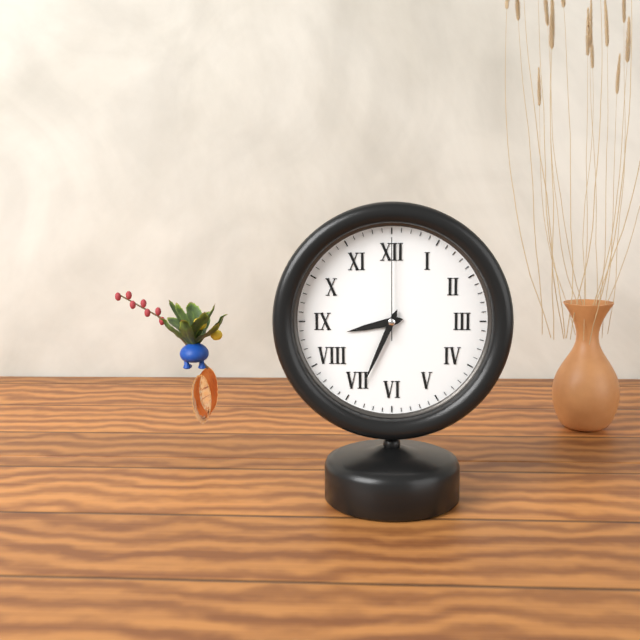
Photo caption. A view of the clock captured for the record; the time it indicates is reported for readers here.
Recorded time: 8:34:00
